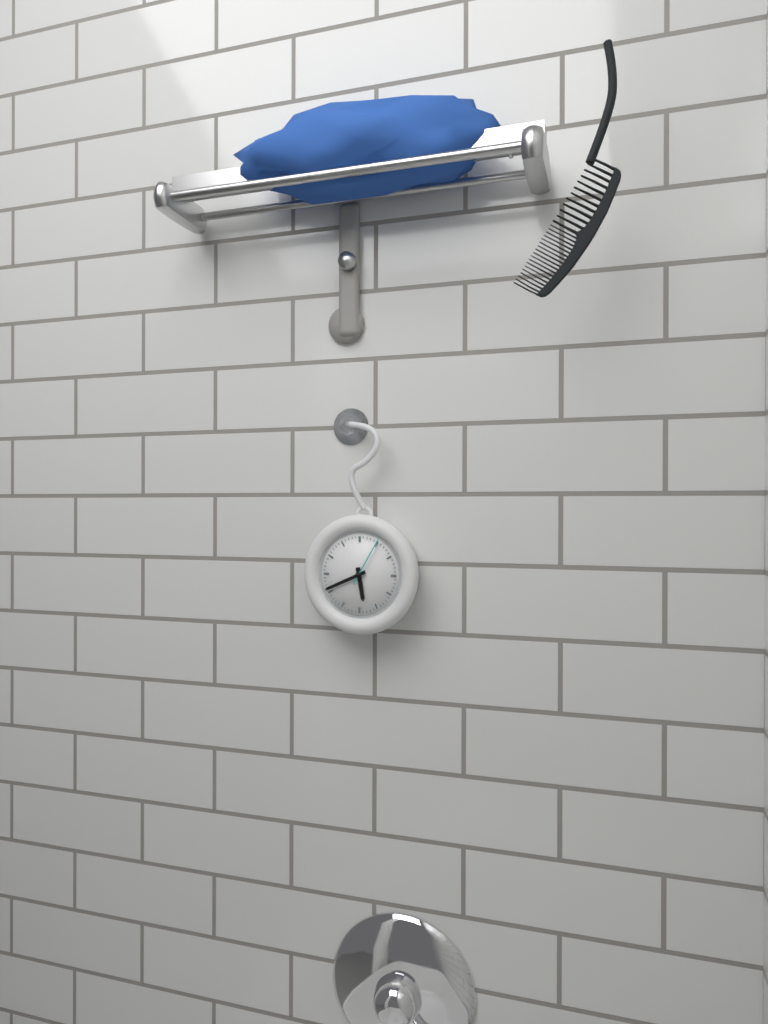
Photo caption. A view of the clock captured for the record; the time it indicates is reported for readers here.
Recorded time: 5:41:05
